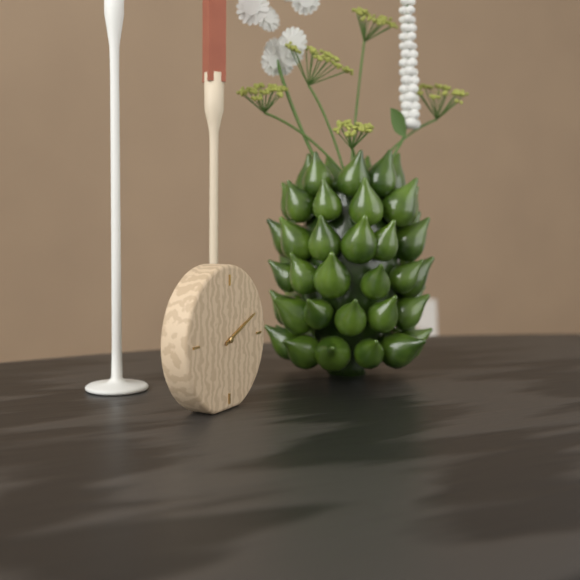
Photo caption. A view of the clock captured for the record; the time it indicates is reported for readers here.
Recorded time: 2:11
